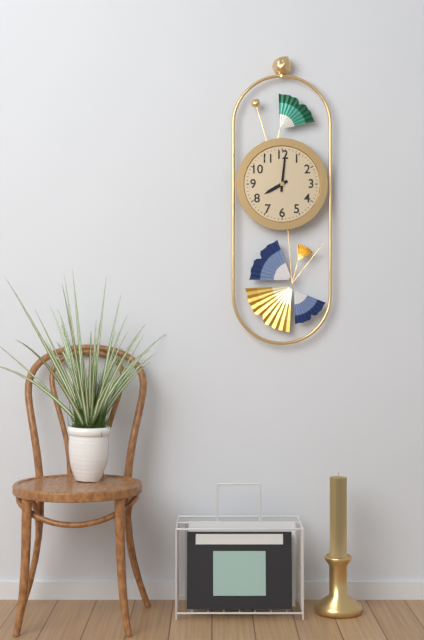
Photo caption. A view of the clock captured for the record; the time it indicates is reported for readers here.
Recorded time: 8:01
